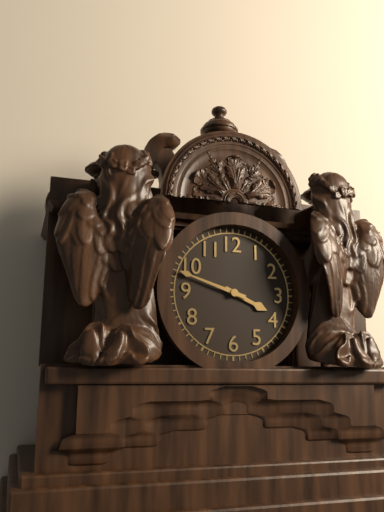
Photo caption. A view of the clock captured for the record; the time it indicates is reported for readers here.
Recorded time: 3:48
